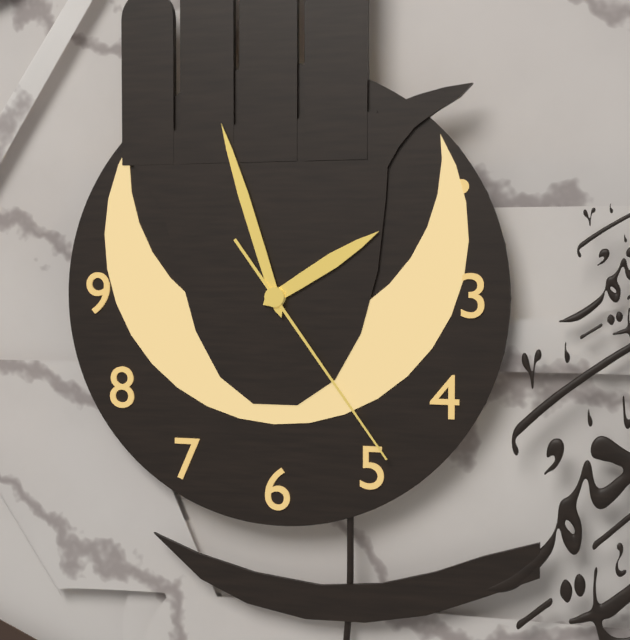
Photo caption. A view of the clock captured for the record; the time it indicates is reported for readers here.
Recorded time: 1:57:24
